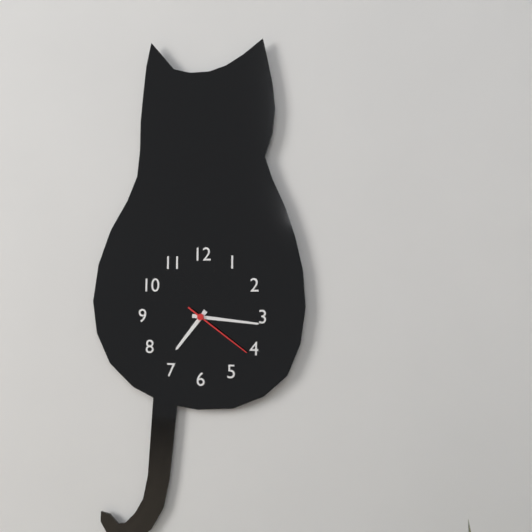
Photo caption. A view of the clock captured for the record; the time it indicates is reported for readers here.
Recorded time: 7:16:21
